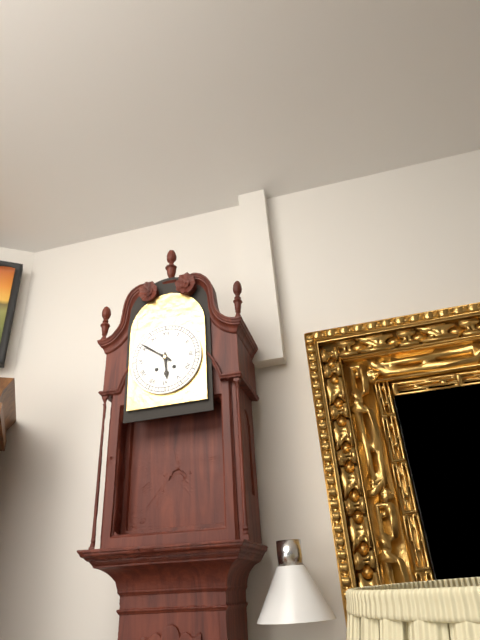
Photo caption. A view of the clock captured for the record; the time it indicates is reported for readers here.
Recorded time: 5:51
